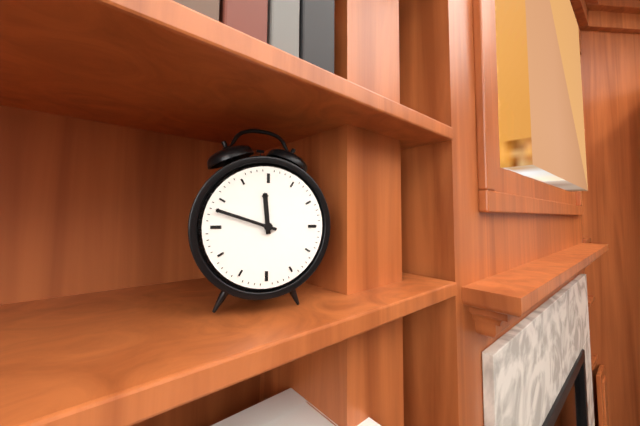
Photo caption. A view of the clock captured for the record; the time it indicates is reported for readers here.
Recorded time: 11:48
